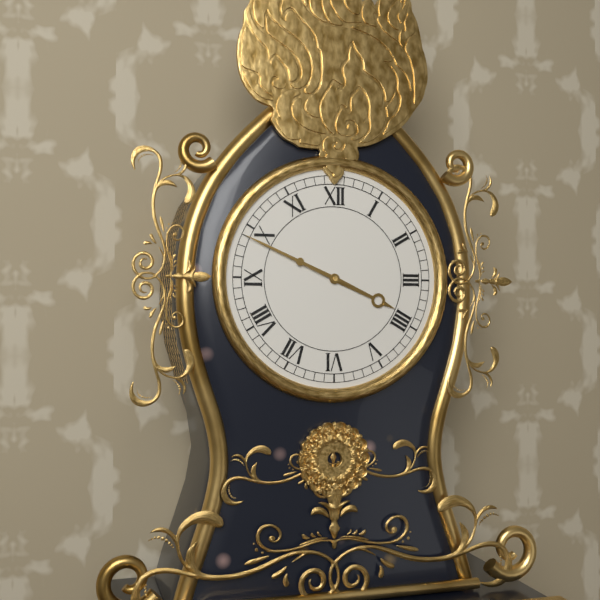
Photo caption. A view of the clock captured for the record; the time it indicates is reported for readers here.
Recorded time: 3:49
